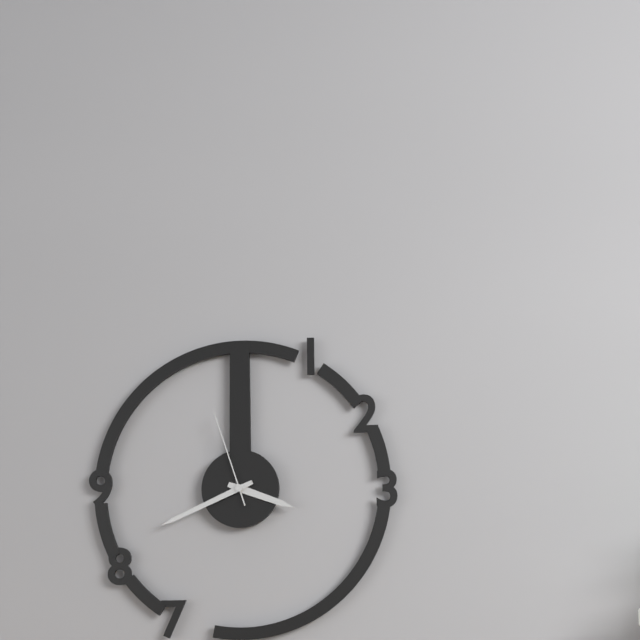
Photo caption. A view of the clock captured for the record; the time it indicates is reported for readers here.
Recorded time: 3:41:57
